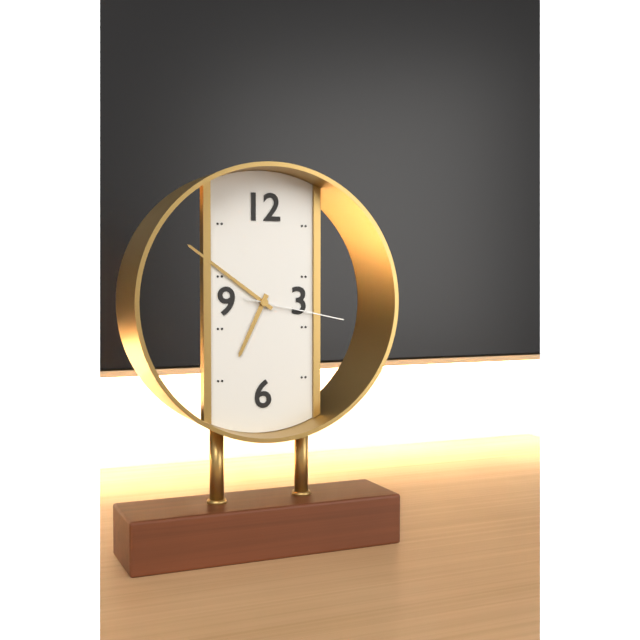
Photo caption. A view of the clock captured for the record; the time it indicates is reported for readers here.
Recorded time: 6:51:17
